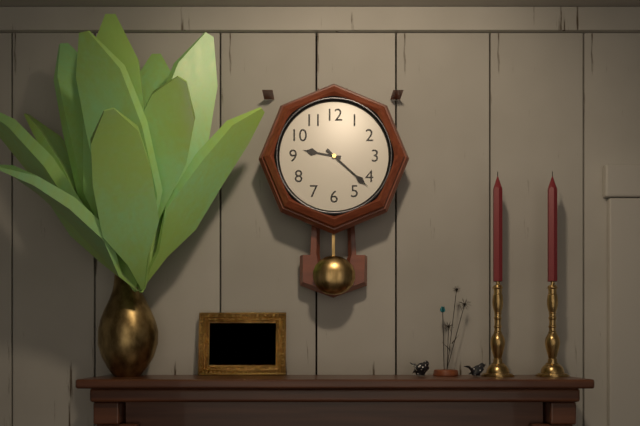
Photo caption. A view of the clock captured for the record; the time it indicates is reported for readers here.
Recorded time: 9:22
